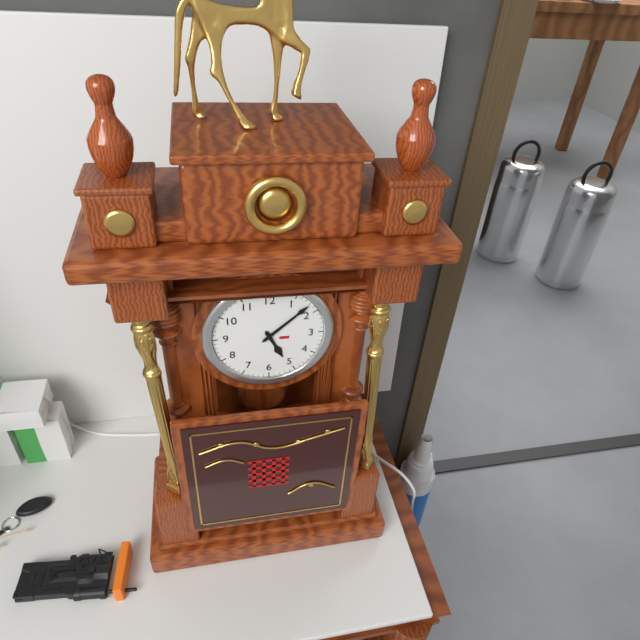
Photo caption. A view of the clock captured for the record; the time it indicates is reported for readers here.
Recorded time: 5:08
